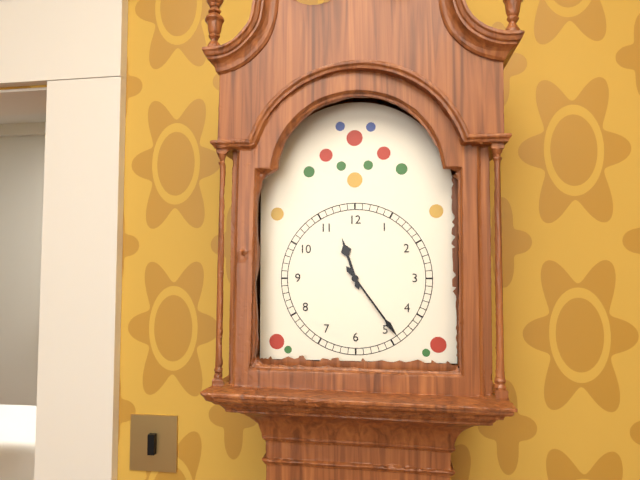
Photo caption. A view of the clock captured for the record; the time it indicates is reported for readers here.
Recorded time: 11:24
